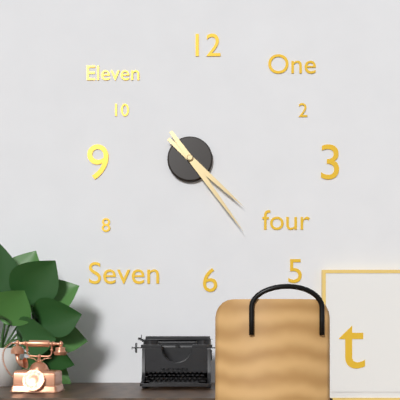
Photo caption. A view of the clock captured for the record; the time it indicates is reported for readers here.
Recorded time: 4:24
